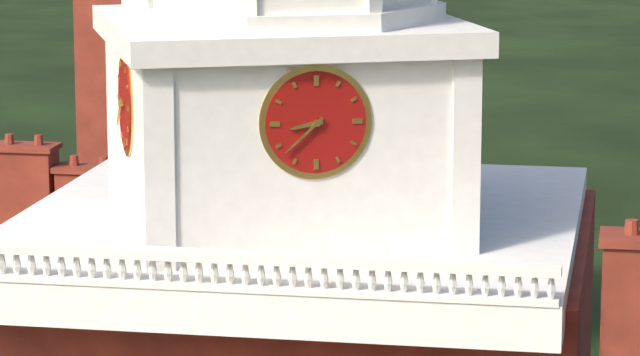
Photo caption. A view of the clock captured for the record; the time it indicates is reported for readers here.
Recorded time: 8:38
